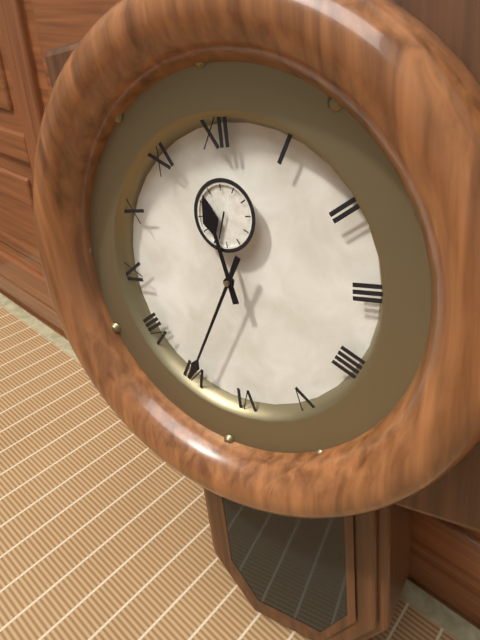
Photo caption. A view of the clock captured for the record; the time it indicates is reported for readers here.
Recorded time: 11:35
